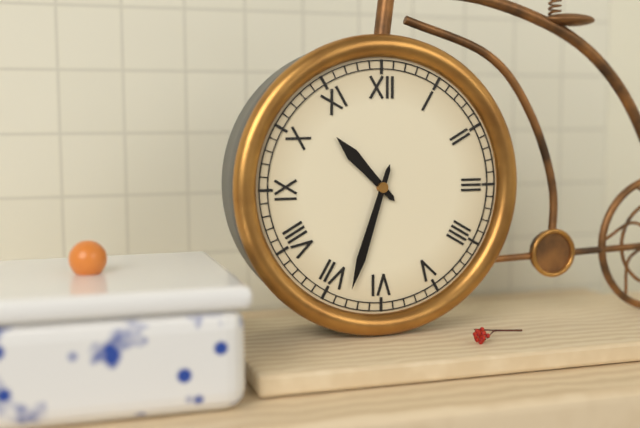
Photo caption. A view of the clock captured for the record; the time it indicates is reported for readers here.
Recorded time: 10:33
